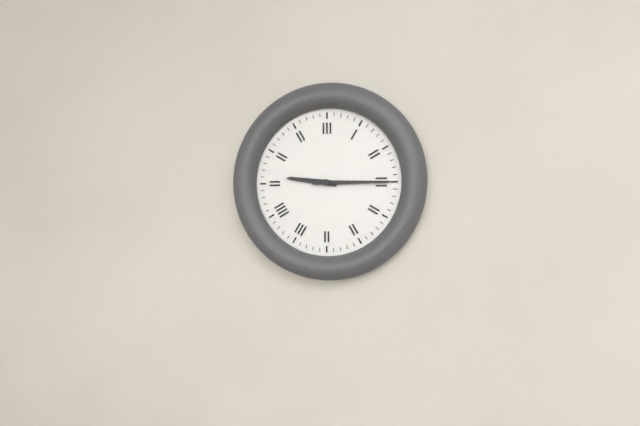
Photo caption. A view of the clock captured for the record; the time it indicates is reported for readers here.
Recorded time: 9:15
